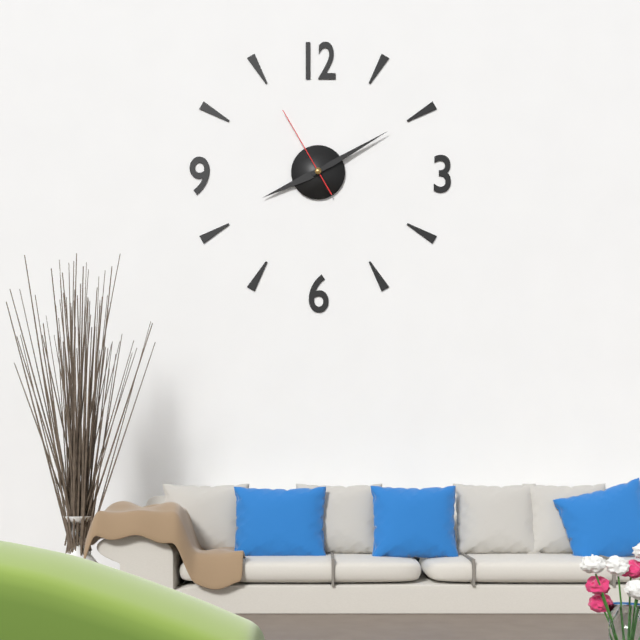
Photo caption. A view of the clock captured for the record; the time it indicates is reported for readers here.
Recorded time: 8:10:55
